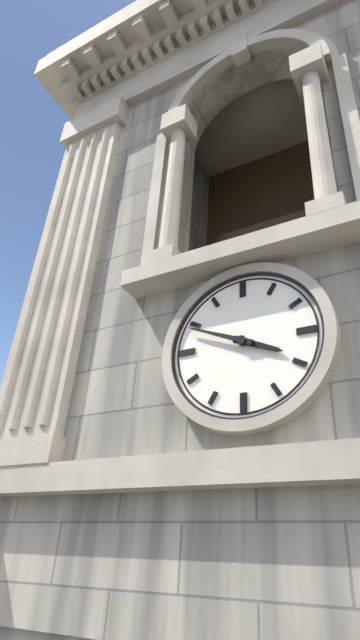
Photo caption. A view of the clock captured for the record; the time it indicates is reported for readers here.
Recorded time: 3:49
